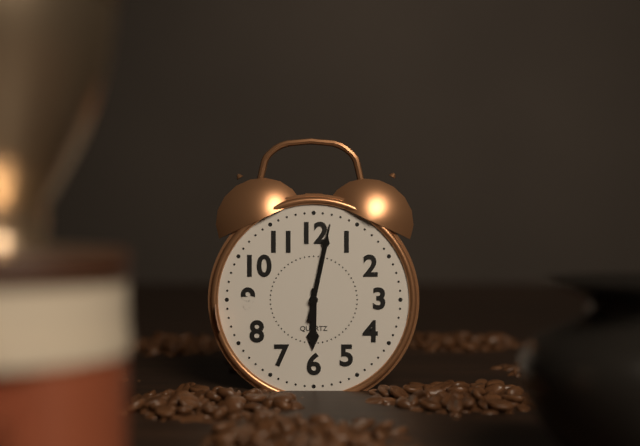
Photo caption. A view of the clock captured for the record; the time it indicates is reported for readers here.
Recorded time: 6:02:02
